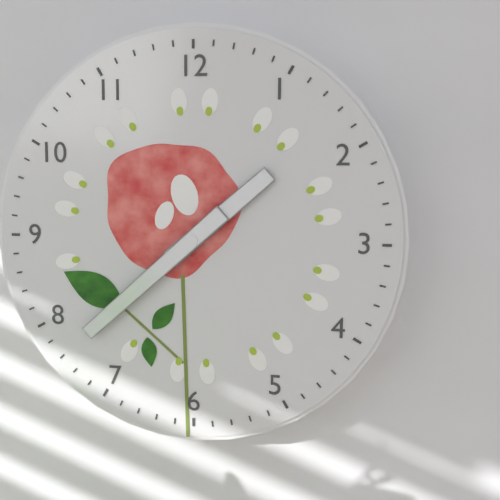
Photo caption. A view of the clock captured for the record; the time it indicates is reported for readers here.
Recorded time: 1:38
